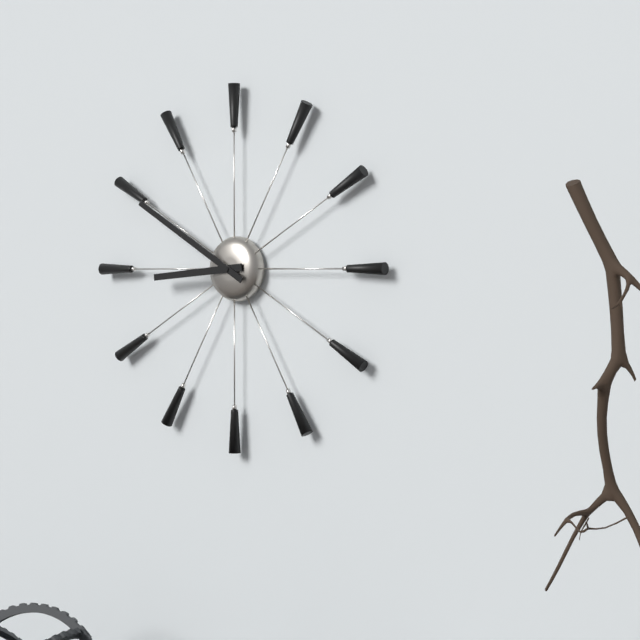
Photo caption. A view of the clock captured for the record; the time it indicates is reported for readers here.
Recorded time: 8:50
